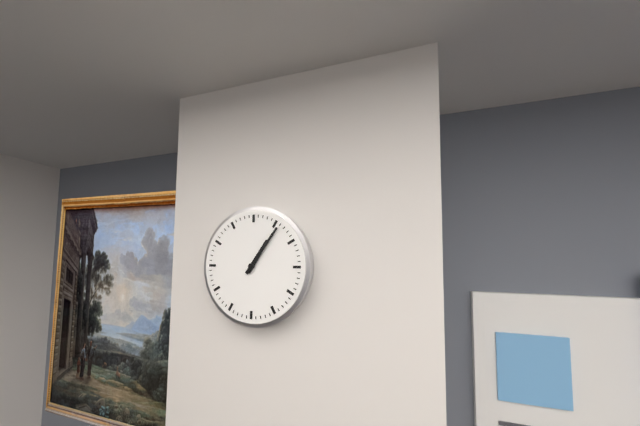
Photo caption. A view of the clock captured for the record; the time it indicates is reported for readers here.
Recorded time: 1:06
